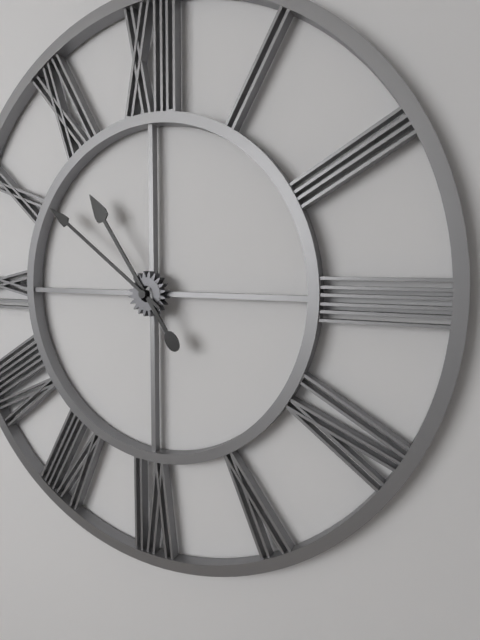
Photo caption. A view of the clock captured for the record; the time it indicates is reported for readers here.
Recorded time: 10:51
